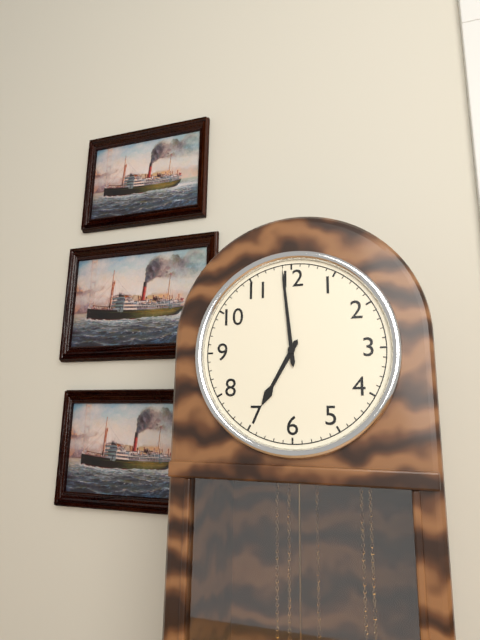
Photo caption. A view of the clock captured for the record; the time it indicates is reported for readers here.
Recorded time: 6:59
